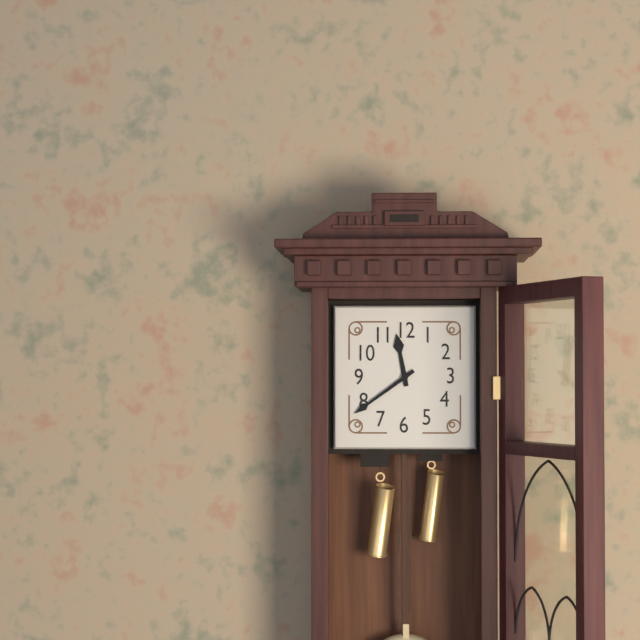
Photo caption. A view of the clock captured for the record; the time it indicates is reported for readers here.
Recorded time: 11:39
